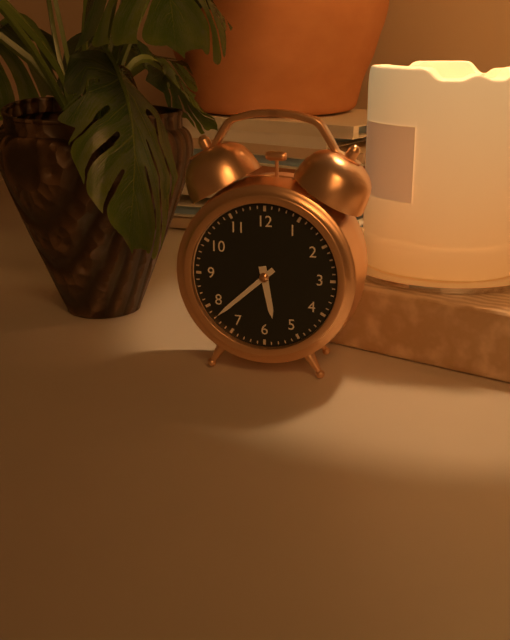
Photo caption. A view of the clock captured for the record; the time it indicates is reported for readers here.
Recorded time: 5:38
